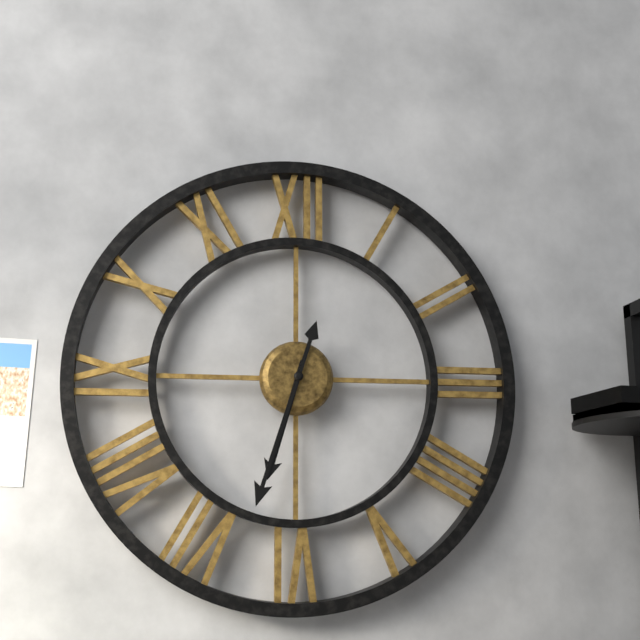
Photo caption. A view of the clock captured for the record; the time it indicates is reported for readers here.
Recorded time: 6:33
